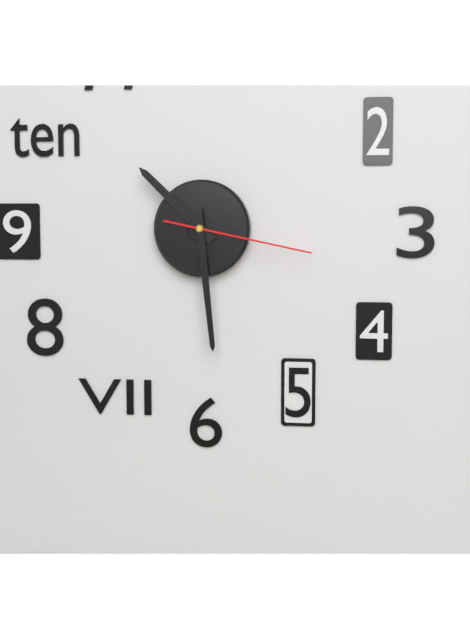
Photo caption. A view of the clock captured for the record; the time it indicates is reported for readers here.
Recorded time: 10:29:17
